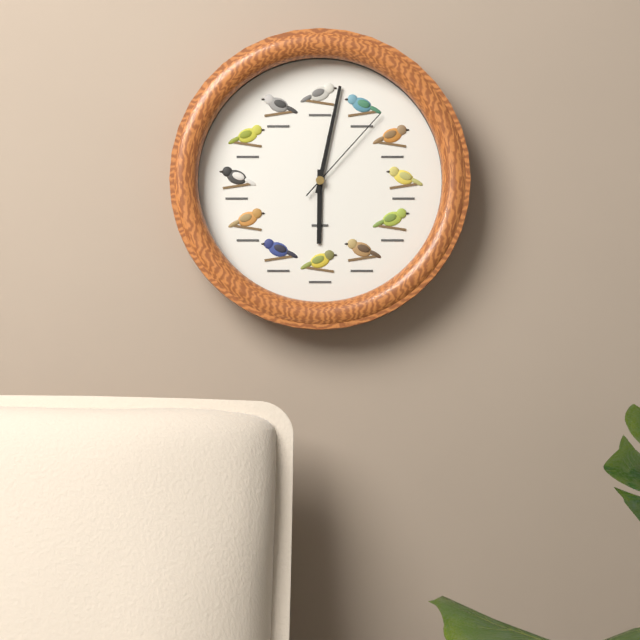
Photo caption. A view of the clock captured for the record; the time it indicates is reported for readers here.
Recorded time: 6:02:07
